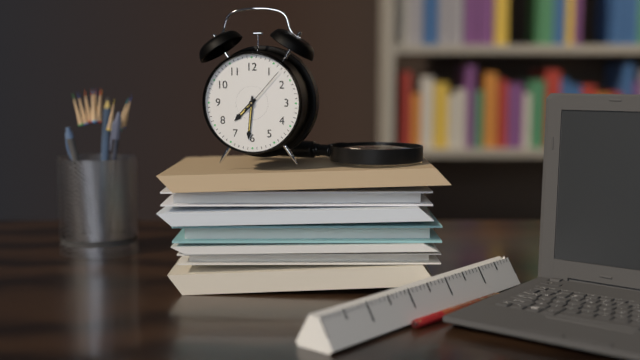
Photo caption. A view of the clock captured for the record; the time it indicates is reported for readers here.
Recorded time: 7:31:07
